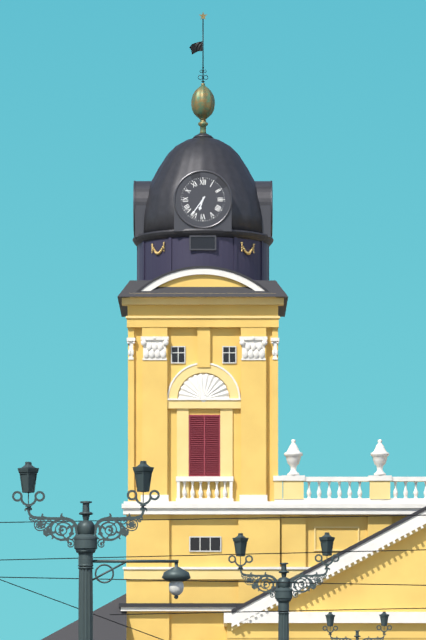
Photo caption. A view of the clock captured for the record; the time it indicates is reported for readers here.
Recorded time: 6:36
